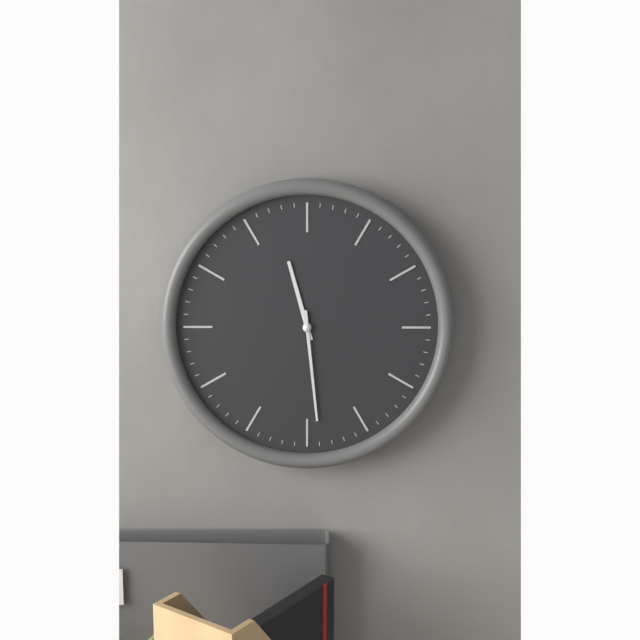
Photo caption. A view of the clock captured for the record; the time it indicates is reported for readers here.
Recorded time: 11:29
